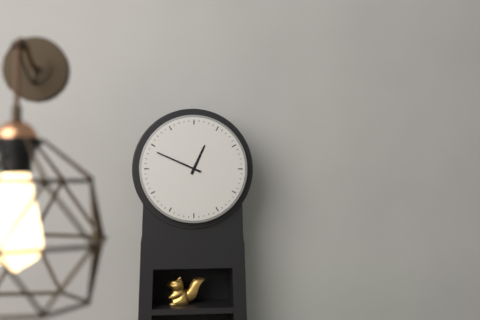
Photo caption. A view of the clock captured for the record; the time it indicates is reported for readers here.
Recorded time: 12:49
